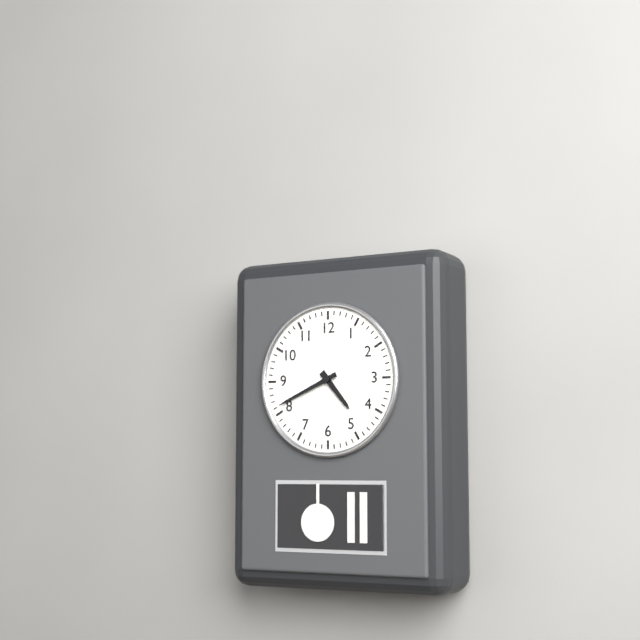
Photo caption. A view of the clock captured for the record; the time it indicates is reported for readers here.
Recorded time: 4:41
